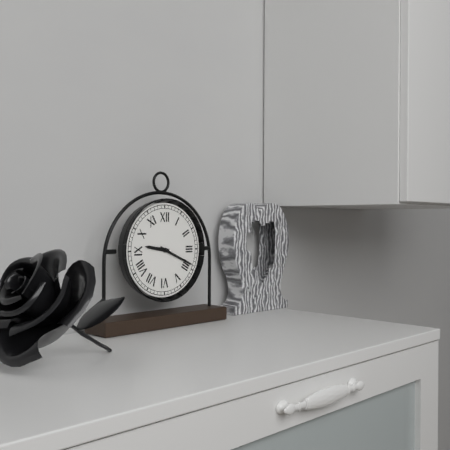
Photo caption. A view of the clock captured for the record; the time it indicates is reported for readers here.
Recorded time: 9:19
